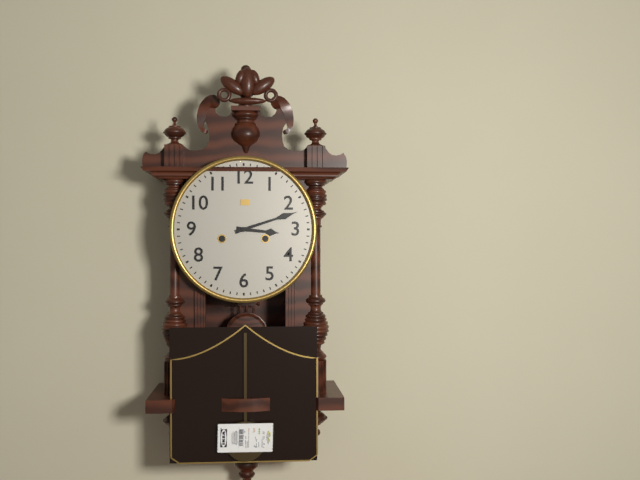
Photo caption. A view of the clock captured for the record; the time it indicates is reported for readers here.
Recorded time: 3:12
